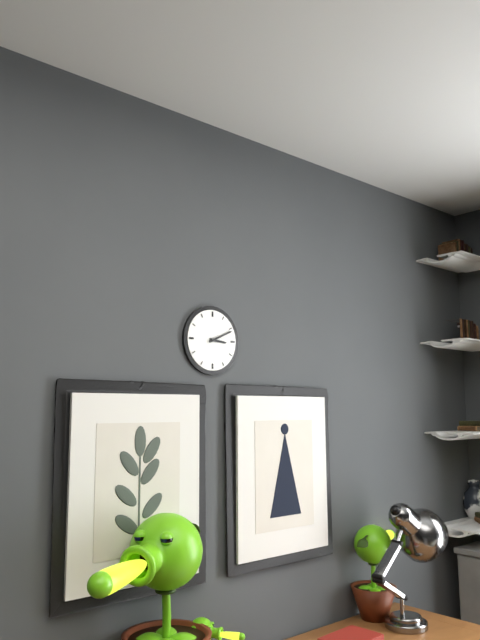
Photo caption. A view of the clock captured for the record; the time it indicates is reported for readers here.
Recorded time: 3:11
